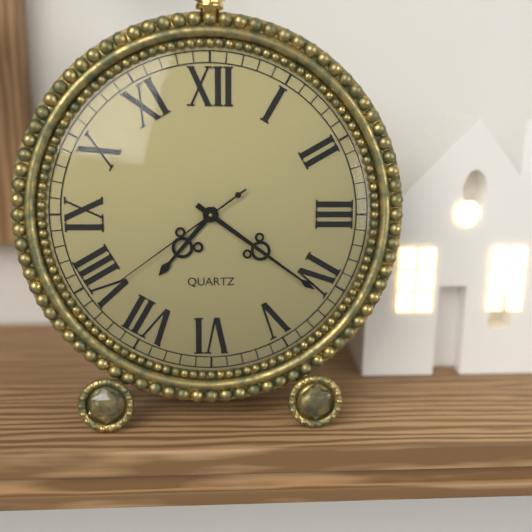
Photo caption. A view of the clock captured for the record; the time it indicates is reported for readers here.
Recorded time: 7:21:39
